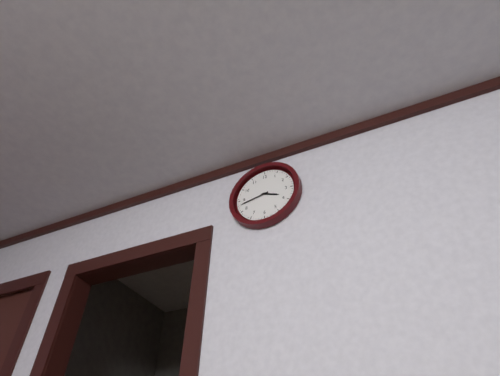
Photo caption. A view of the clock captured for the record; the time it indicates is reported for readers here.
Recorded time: 3:43
